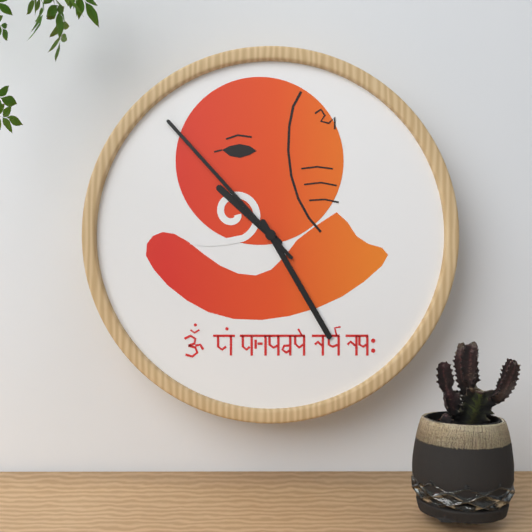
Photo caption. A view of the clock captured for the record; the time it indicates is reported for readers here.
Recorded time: 10:25:53
